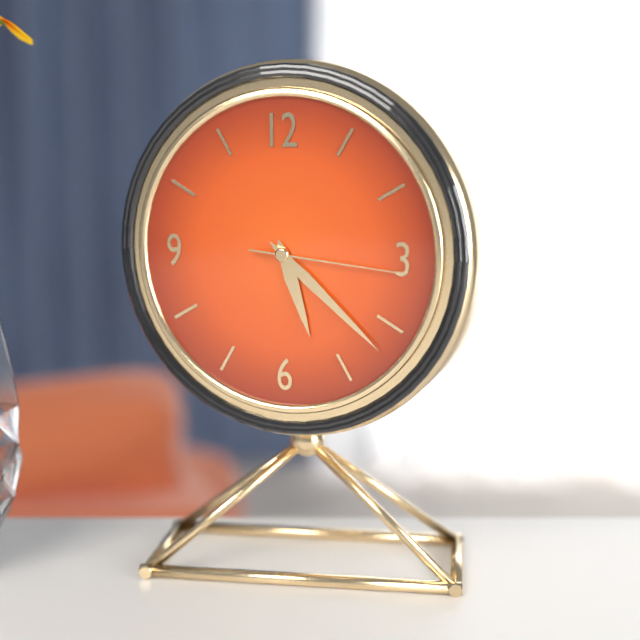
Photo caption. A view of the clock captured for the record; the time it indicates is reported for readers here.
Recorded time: 5:22:16
